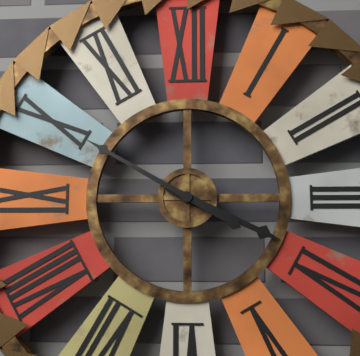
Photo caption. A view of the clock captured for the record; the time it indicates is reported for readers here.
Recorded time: 3:50
